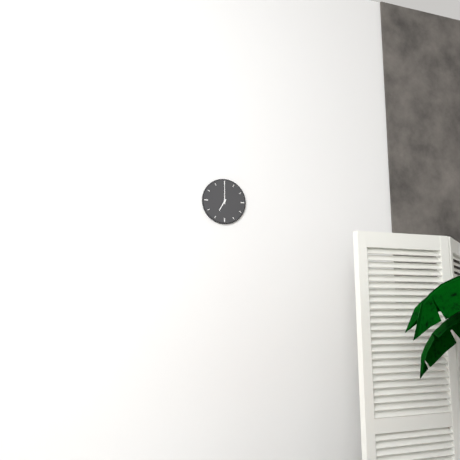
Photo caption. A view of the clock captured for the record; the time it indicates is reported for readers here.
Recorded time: 7:00
